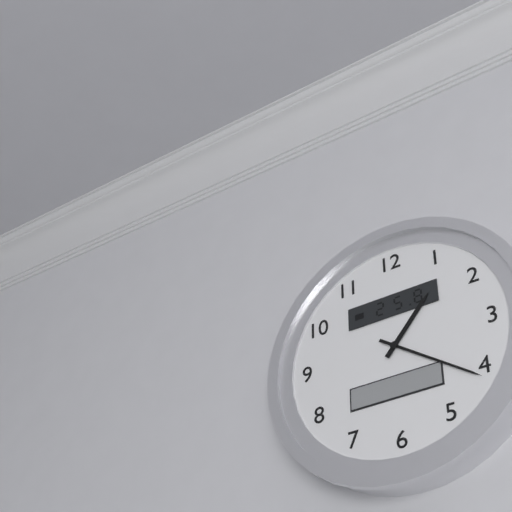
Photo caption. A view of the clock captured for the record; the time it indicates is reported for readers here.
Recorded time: 1:21
